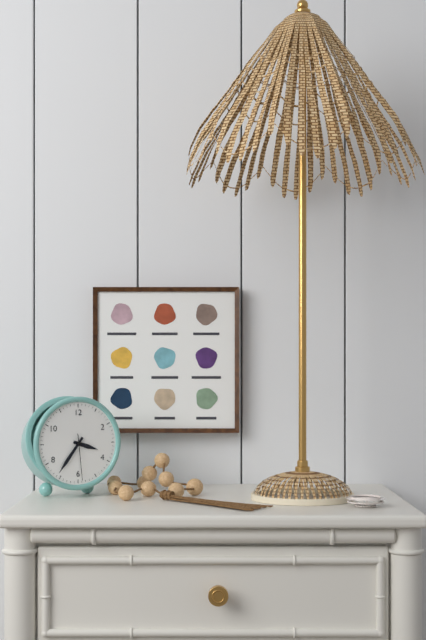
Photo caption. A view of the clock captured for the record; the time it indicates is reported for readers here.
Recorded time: 3:36
